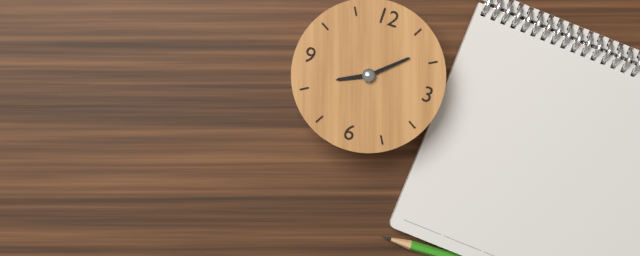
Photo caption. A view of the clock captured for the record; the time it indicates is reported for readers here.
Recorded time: 8:08
